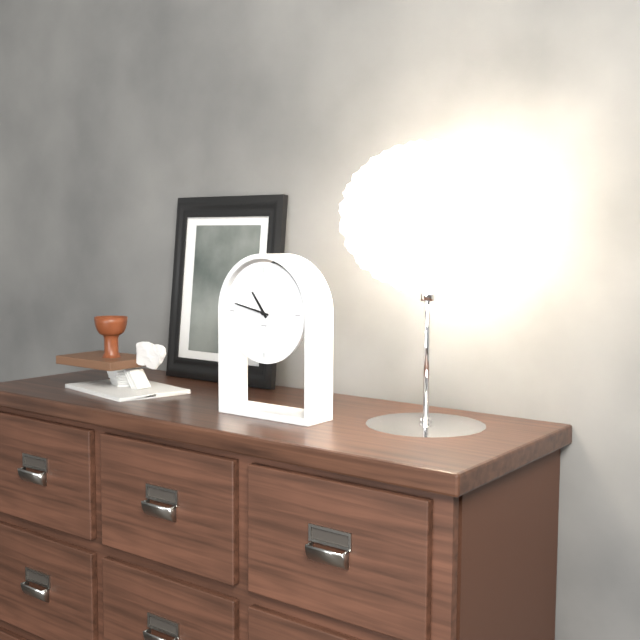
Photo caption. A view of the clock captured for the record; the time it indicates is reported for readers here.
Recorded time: 10:47
